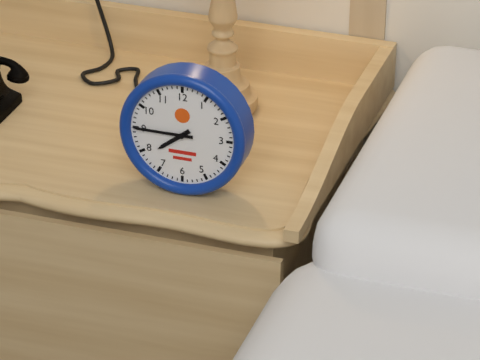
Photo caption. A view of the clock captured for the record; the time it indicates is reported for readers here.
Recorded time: 7:45
